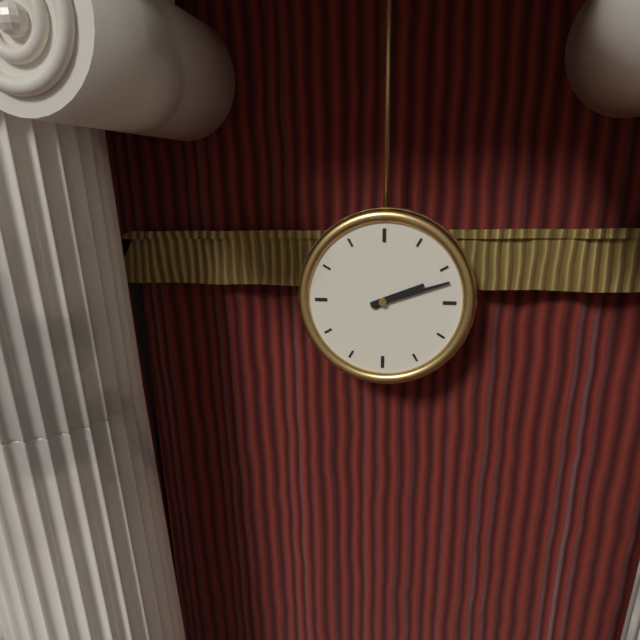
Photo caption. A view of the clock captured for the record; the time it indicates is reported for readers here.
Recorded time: 2:12
